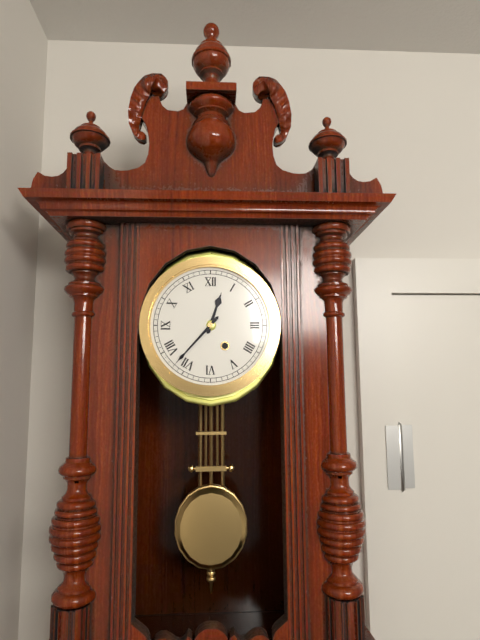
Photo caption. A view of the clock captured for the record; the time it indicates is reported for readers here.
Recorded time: 12:37
